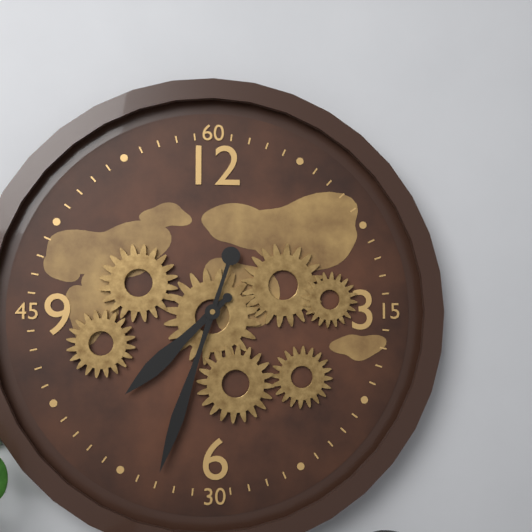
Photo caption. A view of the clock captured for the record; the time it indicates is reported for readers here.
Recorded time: 7:33
